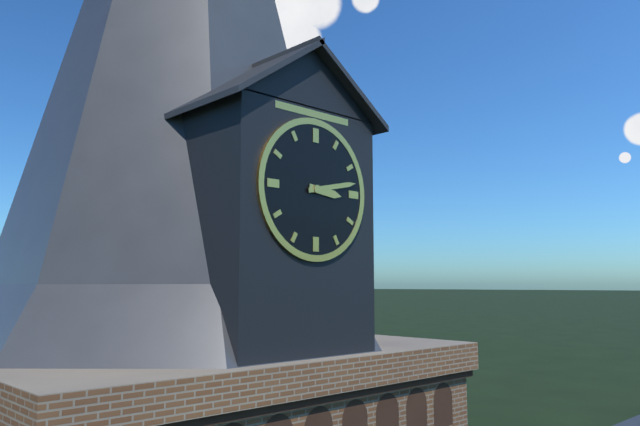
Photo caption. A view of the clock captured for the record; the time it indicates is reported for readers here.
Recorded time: 3:13
